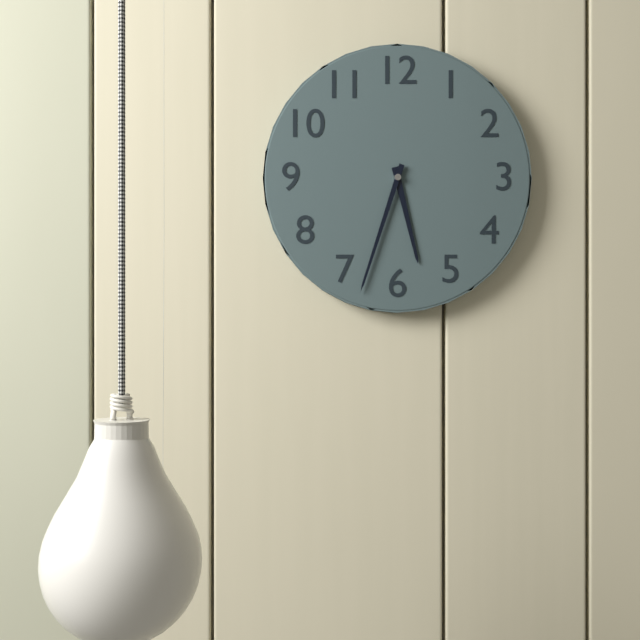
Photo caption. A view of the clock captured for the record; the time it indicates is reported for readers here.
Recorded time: 5:33
